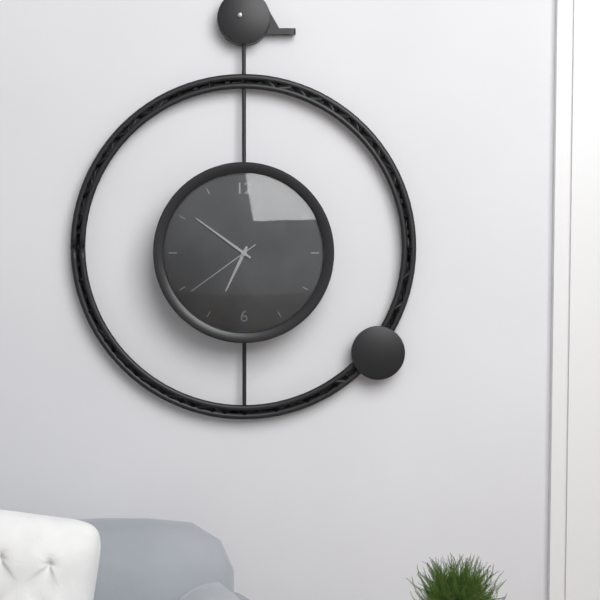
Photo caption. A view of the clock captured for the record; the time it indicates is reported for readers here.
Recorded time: 6:51:39
